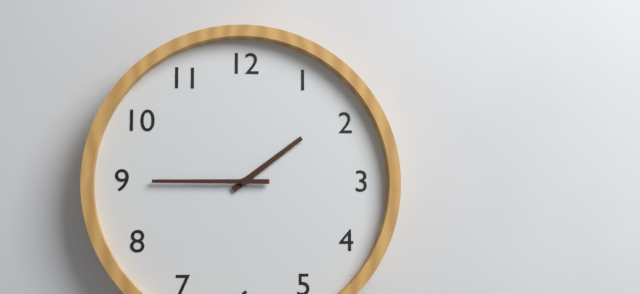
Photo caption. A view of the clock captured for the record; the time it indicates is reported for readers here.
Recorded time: 1:45
